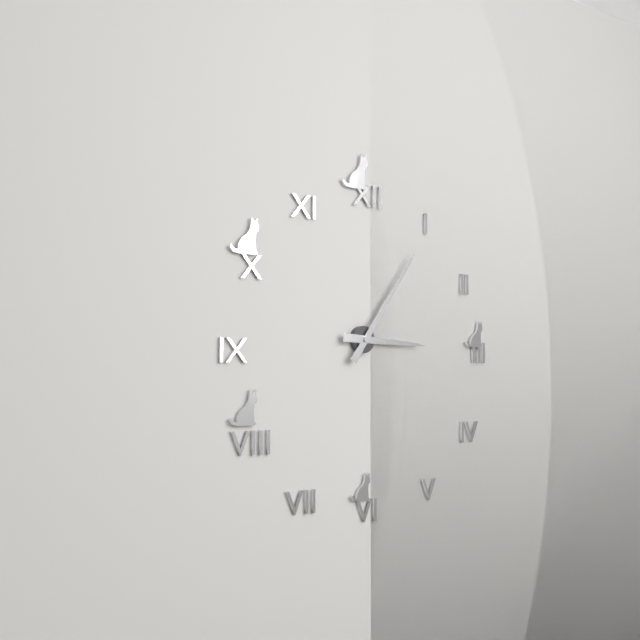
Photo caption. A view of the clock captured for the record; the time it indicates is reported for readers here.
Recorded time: 3:06
